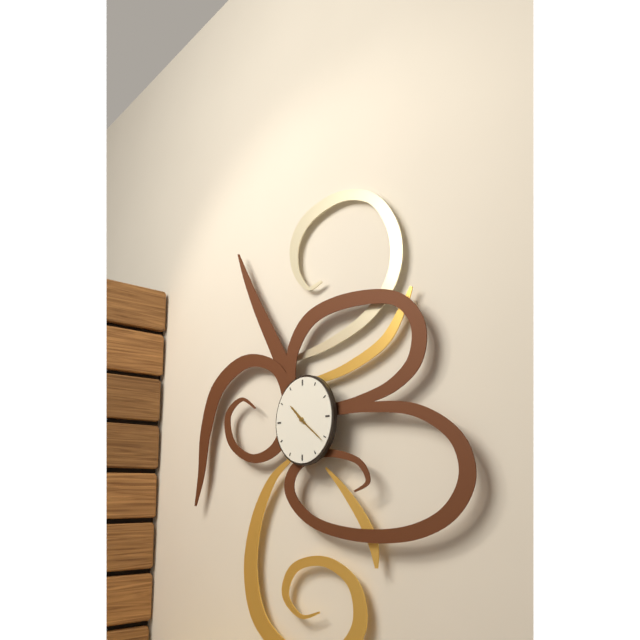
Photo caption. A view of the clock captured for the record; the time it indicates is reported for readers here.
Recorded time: 10:21
